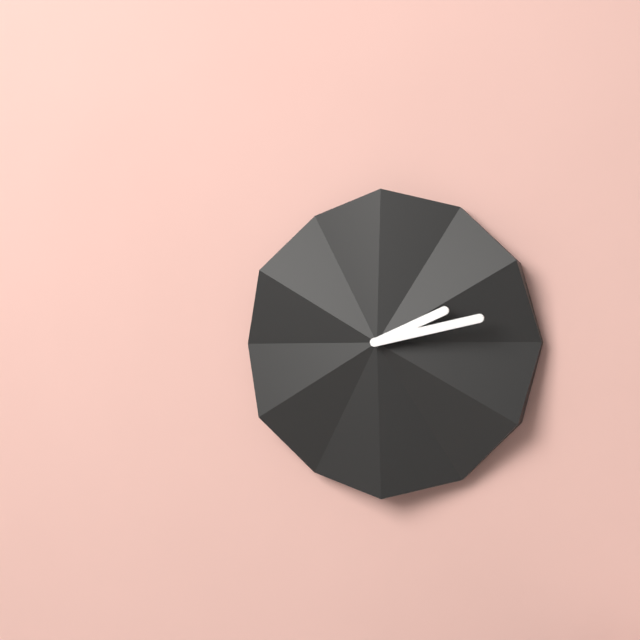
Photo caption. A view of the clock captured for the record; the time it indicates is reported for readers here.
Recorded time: 2:13
